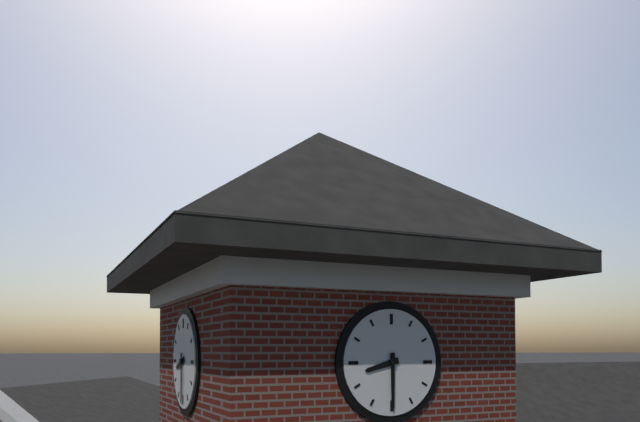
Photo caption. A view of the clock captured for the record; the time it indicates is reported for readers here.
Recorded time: 8:30
